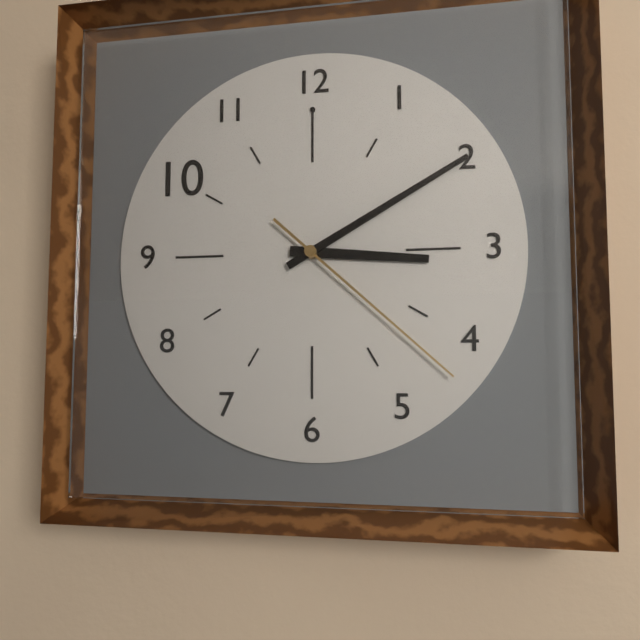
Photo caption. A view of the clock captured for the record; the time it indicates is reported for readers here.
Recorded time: 3:10:22
